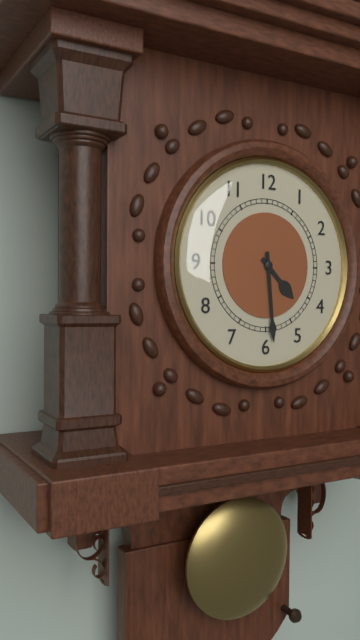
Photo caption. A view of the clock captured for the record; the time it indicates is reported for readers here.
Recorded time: 4:29
